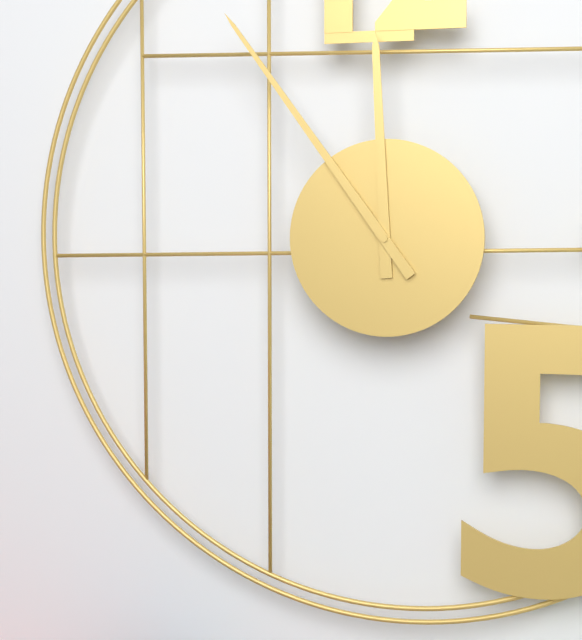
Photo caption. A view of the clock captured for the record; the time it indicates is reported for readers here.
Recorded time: 11:54
